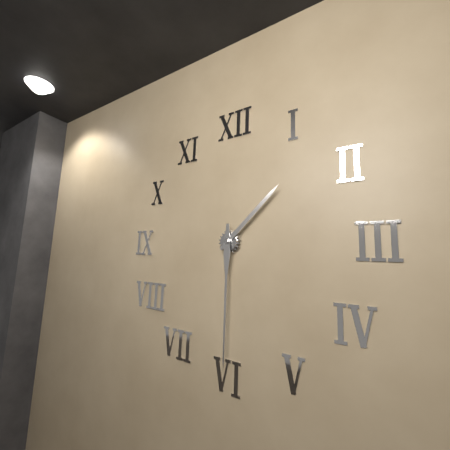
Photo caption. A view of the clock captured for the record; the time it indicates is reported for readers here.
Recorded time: 1:30
